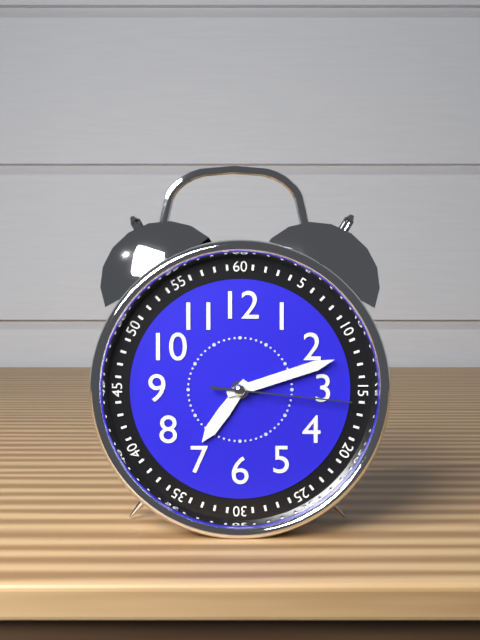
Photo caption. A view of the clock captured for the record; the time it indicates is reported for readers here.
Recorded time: 7:12:16
